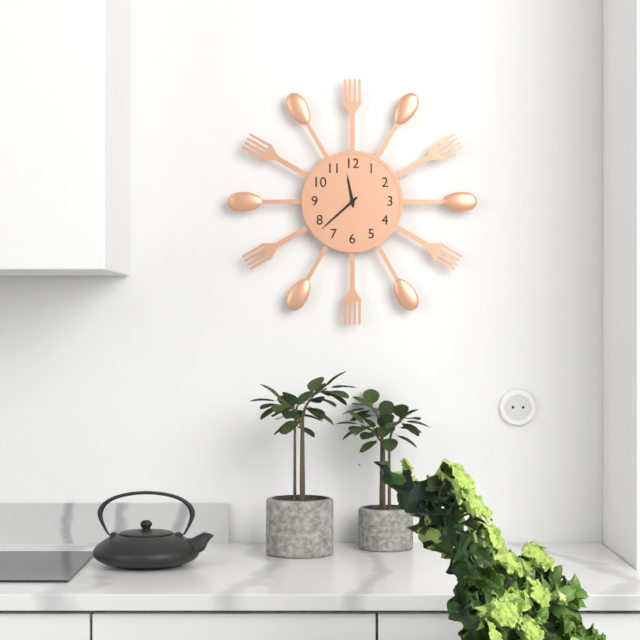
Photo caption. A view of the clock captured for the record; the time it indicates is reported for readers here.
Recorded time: 11:38
